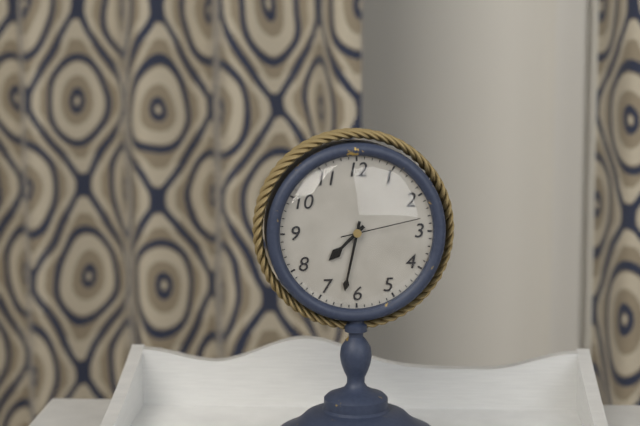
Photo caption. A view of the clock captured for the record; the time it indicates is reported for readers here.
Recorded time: 7:32:13
